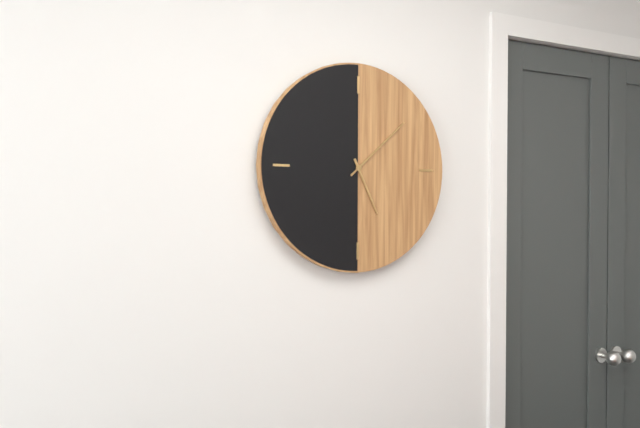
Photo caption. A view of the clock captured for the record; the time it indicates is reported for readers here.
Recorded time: 5:08
